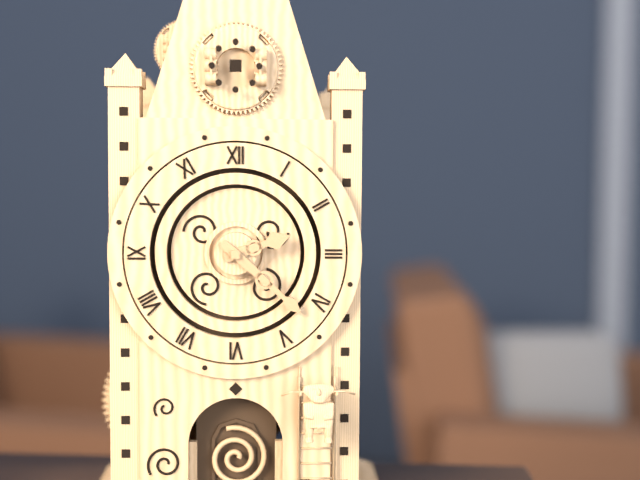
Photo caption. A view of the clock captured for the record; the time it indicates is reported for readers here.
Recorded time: 2:22
